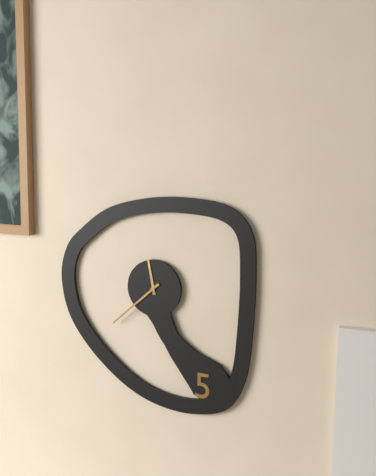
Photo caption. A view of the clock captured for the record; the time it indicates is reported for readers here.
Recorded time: 11:38
